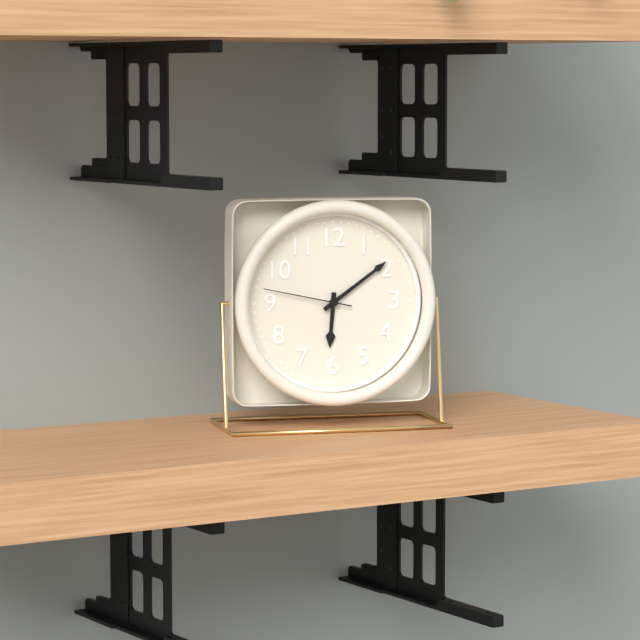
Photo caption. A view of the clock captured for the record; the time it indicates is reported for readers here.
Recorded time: 6:09:47
